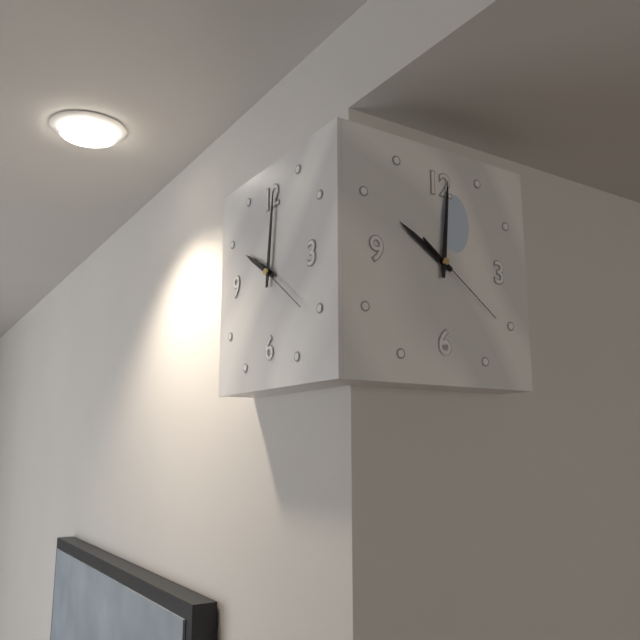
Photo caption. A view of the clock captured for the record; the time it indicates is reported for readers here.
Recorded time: 10:01:21
